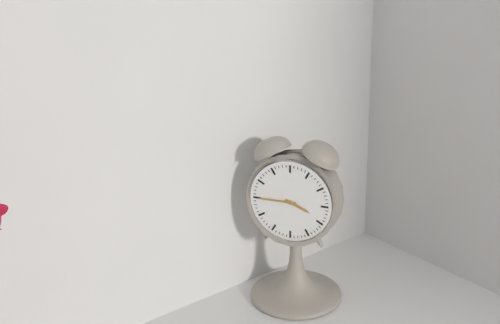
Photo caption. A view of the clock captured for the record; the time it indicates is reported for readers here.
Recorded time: 3:45
